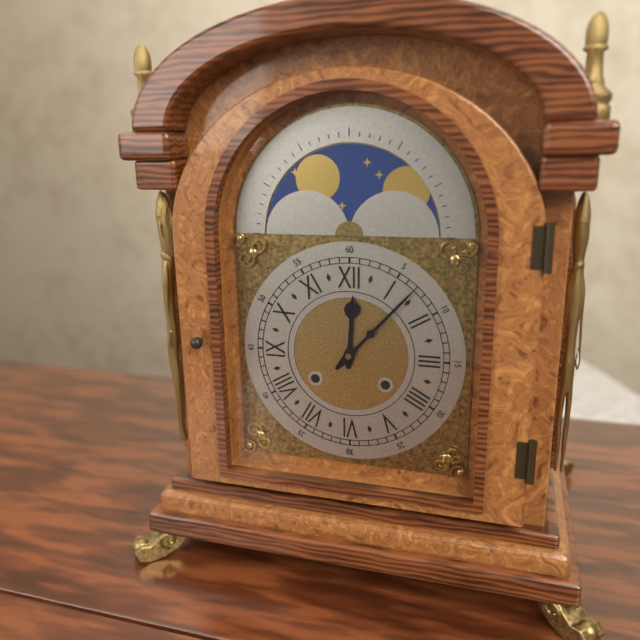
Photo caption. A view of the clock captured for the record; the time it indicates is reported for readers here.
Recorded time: 12:07
